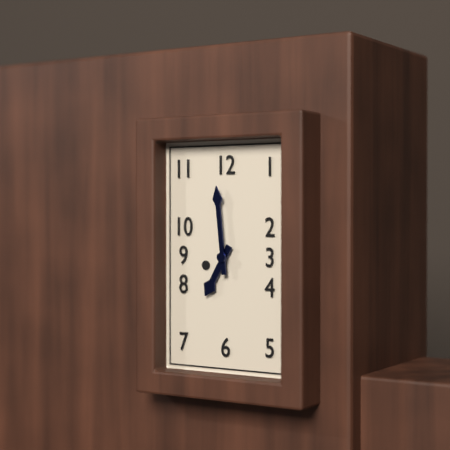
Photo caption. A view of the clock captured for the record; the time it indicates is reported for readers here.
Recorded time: 6:59
